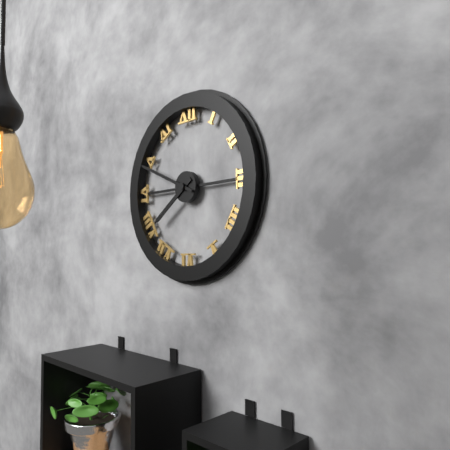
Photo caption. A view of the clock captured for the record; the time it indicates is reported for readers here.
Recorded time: 7:49
